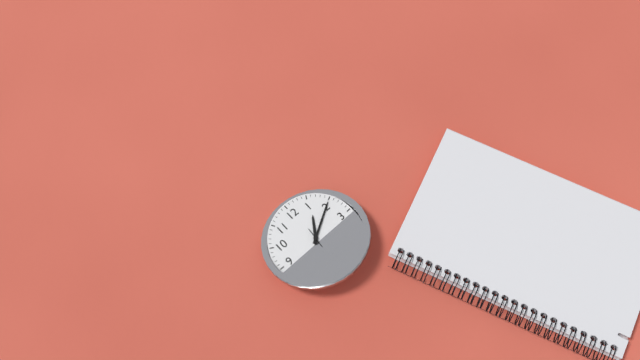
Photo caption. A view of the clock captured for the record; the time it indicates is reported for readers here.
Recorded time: 1:10
